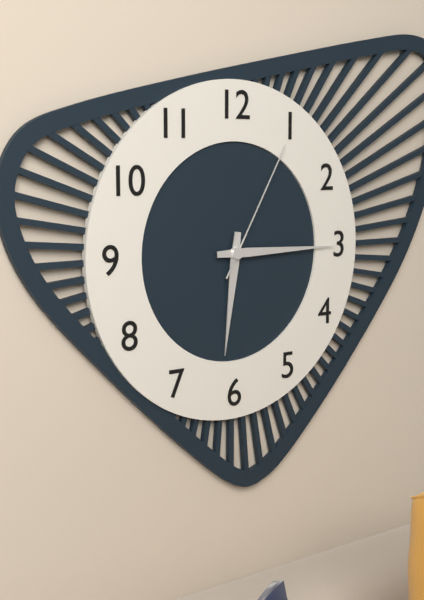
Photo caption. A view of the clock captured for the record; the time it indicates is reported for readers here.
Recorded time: 6:15:05
